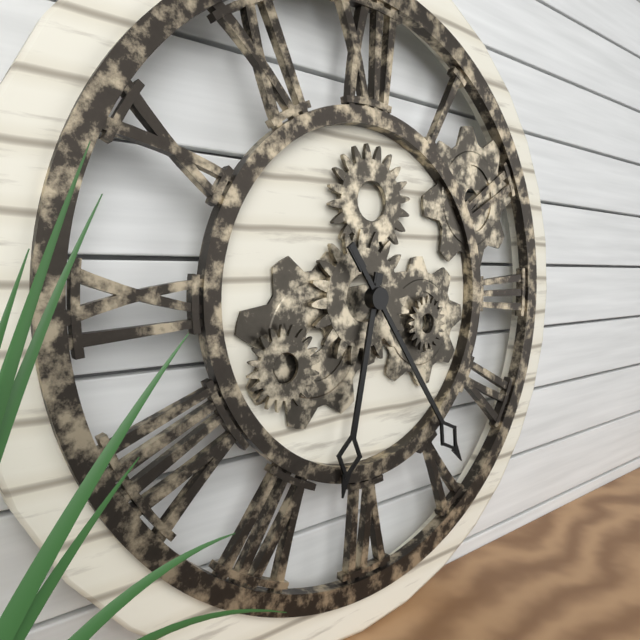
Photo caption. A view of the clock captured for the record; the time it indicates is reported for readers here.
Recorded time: 6:24
